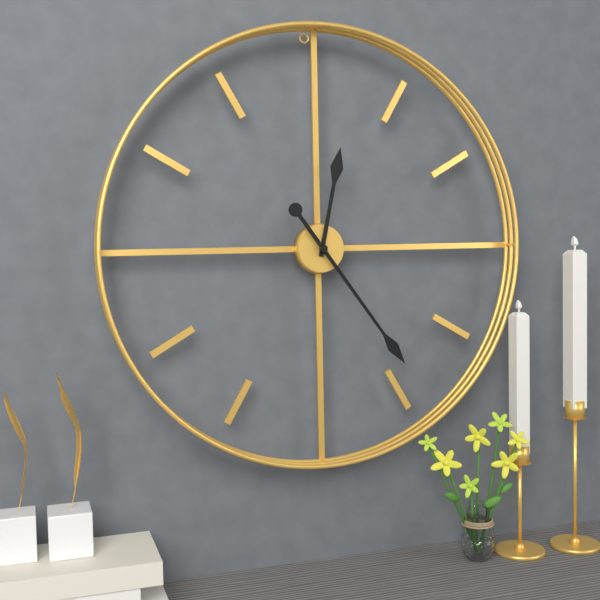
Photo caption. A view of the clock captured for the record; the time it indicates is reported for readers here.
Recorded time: 12:24
